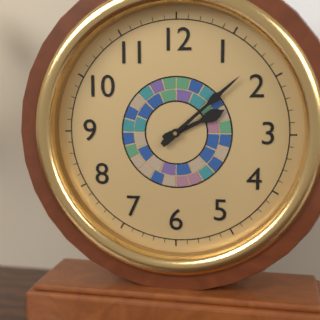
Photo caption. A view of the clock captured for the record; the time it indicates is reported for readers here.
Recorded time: 2:08
